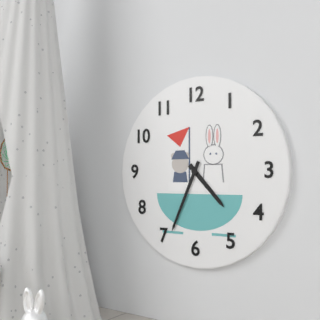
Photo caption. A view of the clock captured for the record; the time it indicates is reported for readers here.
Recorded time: 4:34
